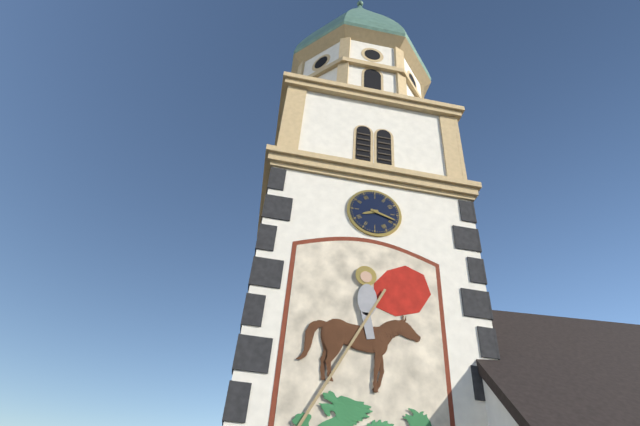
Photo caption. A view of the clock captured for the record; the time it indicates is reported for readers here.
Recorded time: 8:18
